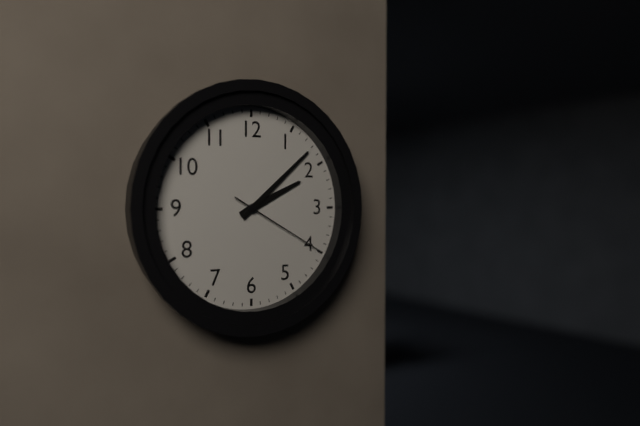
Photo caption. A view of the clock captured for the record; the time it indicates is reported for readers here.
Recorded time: 2:08:20
